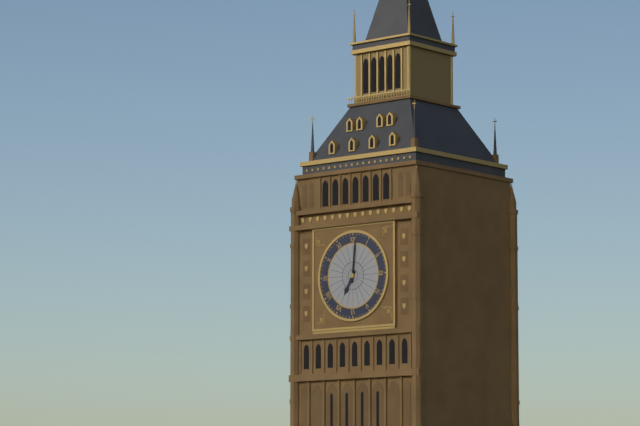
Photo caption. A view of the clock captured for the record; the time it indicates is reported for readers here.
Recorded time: 7:01
